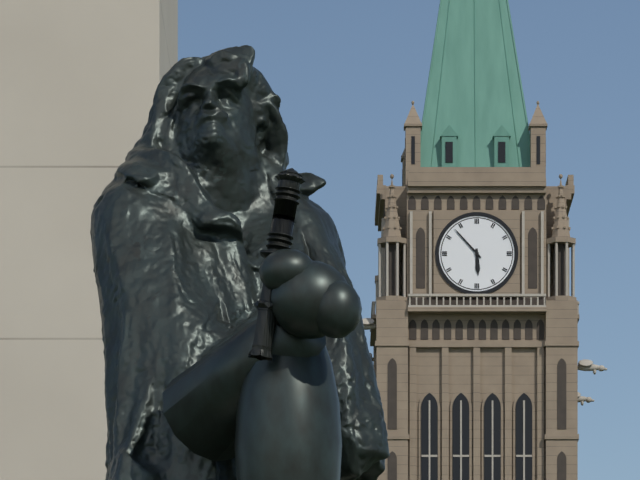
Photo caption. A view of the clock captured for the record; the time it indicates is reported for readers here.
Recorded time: 5:53
